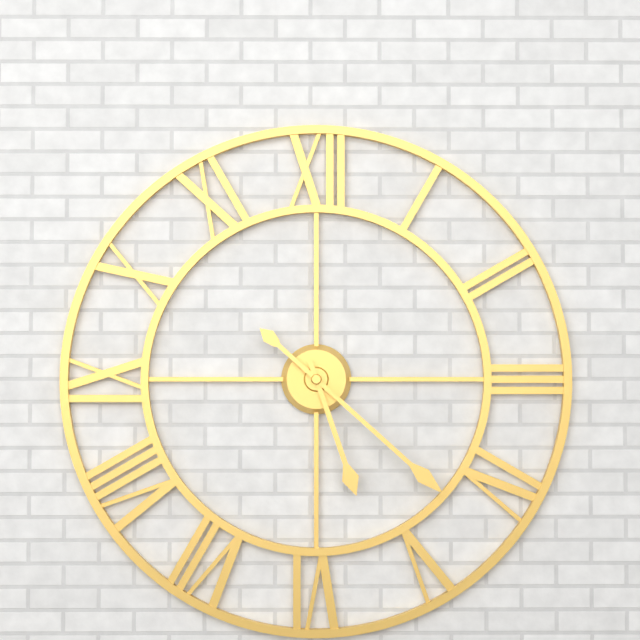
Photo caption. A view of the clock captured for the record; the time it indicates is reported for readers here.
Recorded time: 5:22
